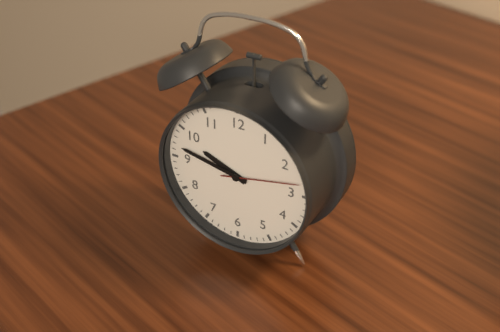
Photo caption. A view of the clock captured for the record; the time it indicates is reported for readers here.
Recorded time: 9:47:13
